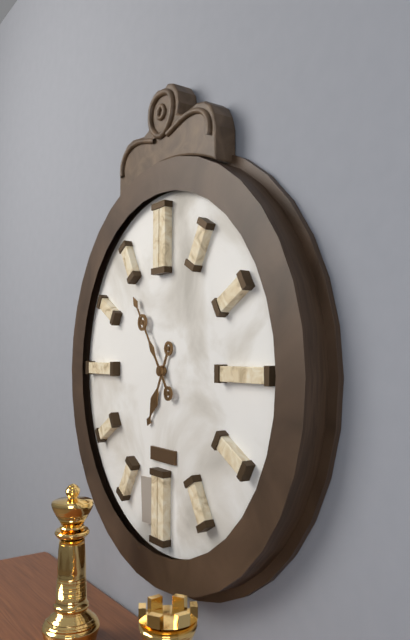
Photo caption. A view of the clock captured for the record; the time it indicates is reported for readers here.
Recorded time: 6:54
